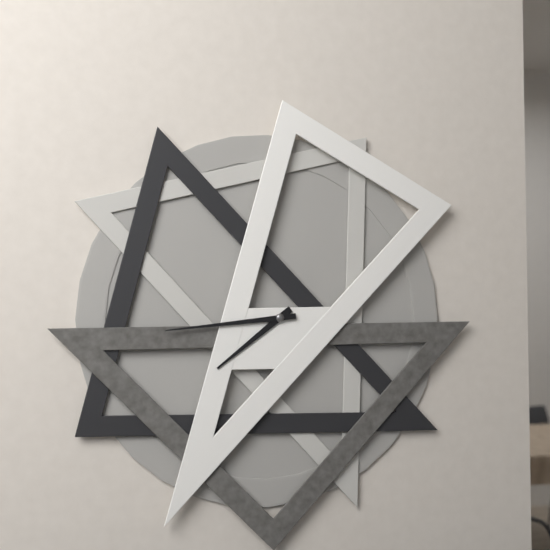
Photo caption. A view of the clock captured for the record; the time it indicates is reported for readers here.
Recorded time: 7:44
